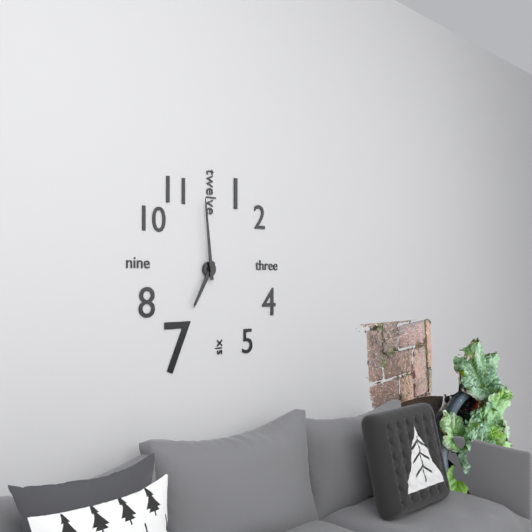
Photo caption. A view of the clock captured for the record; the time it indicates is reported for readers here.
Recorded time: 6:59
